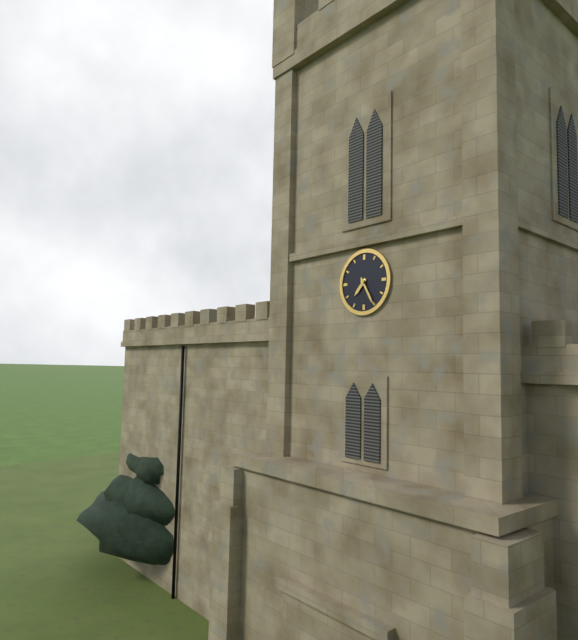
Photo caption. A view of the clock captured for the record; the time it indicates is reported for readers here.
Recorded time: 7:25
